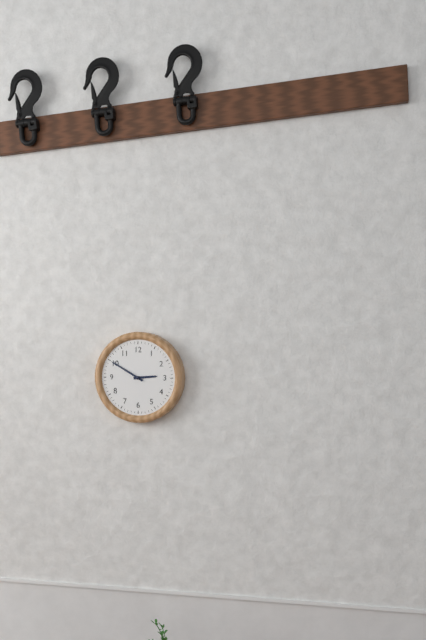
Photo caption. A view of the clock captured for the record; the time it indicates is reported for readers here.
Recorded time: 2:50
